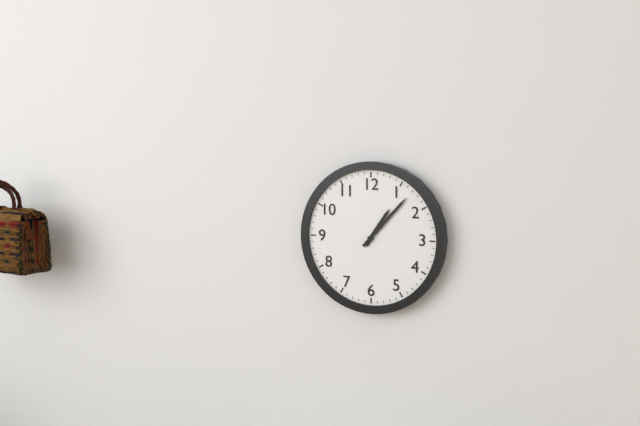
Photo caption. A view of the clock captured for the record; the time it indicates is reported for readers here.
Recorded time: 1:07
